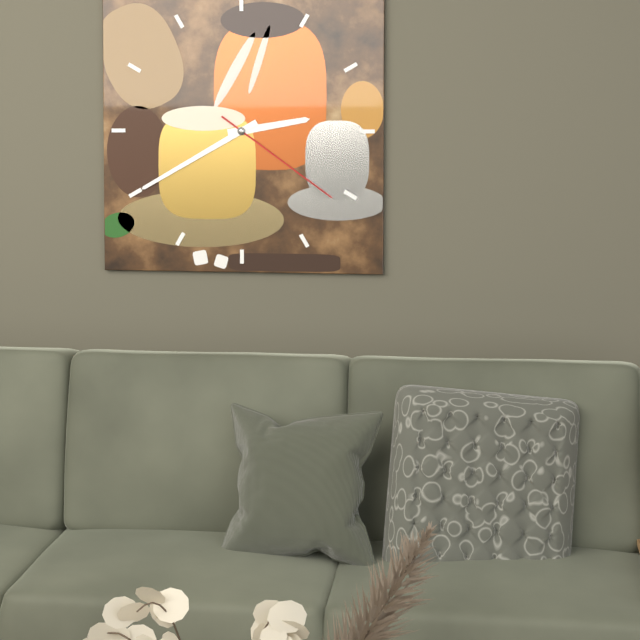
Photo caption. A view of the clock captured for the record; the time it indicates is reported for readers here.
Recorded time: 2:40:21
